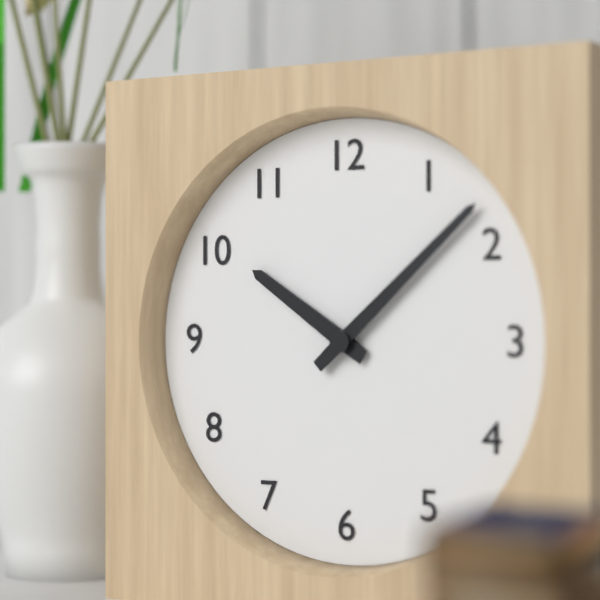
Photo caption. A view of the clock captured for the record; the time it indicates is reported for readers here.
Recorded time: 10:08
